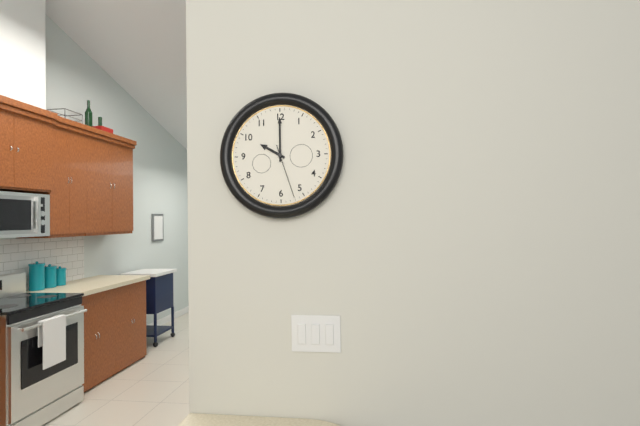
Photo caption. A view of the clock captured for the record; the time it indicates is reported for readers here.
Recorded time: 10:00:27
